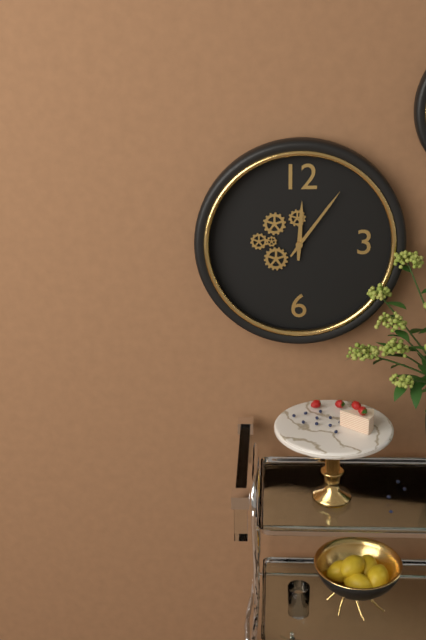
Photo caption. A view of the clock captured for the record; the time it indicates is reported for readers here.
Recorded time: 12:06
